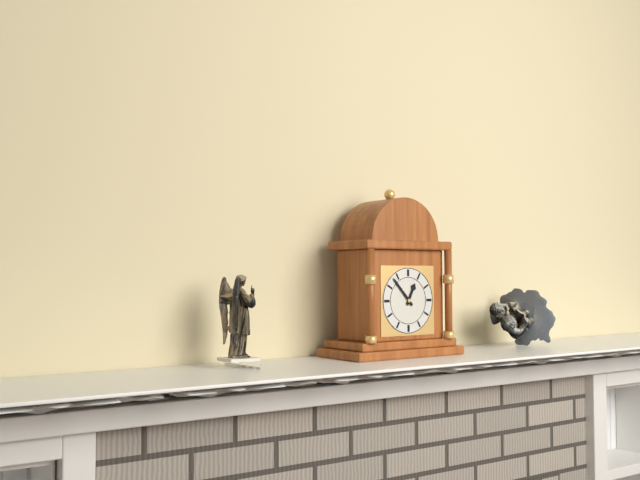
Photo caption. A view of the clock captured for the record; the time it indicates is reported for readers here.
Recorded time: 12:53
